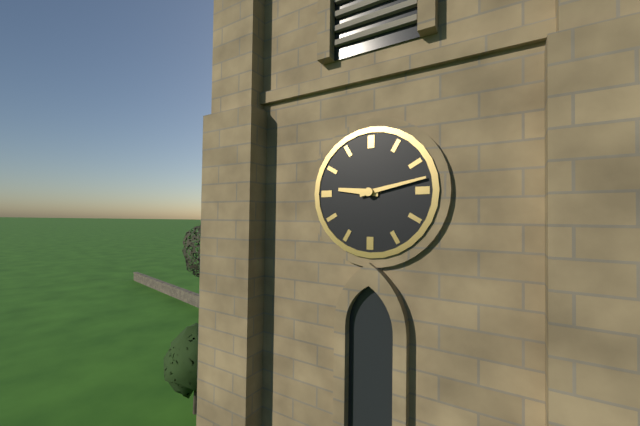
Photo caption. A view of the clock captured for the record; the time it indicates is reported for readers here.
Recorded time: 9:13
